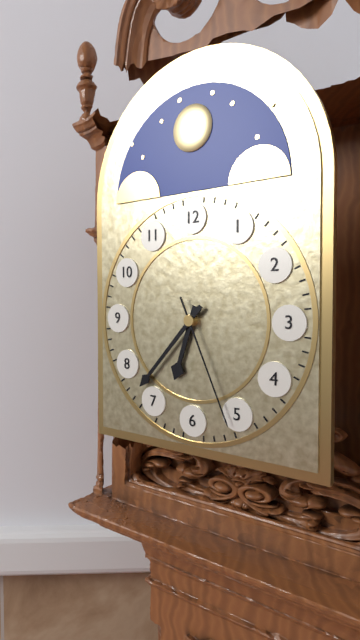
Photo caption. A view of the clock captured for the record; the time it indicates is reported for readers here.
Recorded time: 6:37:26
